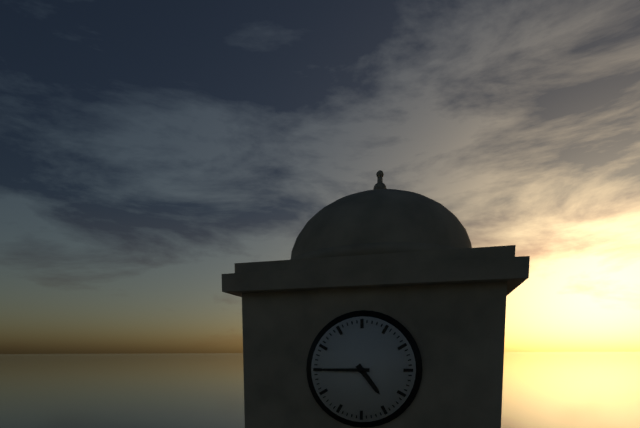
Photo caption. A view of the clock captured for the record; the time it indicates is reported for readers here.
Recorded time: 4:45
